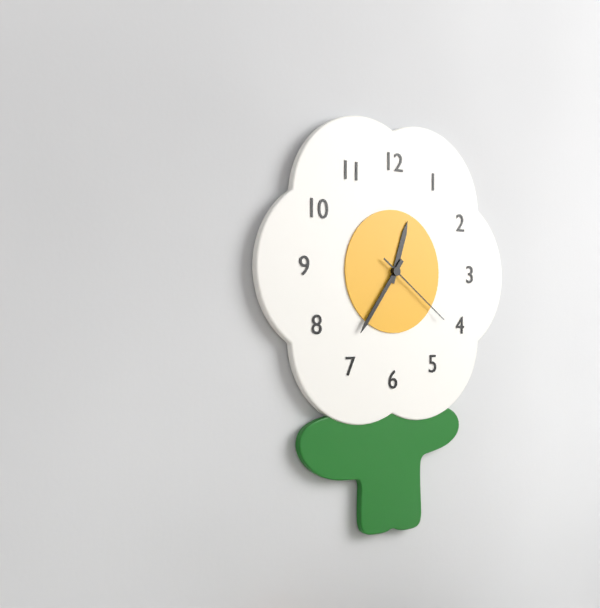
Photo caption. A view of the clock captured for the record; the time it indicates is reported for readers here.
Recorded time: 12:36:21
